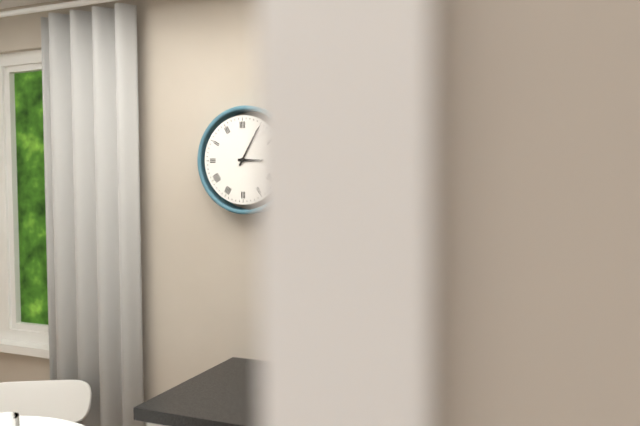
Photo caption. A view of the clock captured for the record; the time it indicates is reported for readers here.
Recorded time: 3:05
